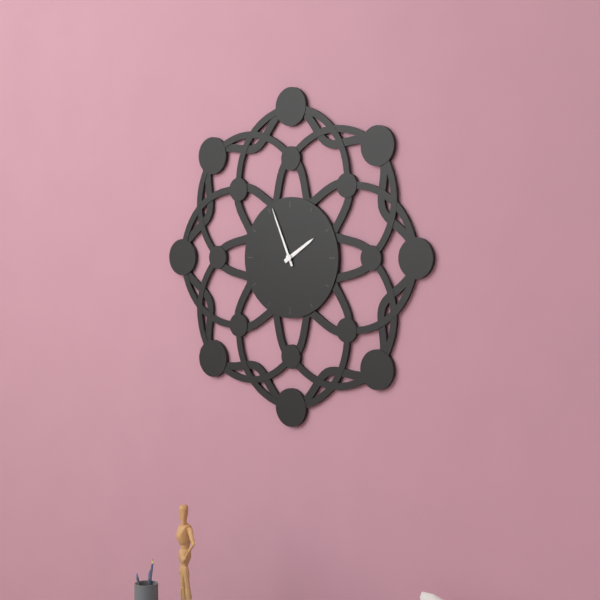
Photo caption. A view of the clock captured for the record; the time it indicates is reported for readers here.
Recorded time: 1:56
